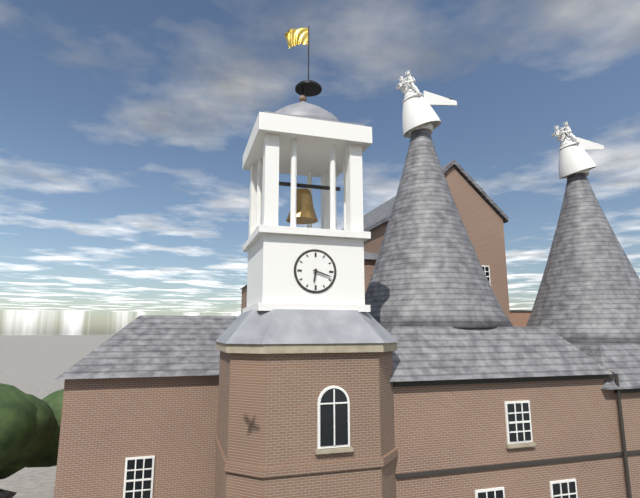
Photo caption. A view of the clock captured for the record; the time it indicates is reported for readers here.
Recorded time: 6:18
